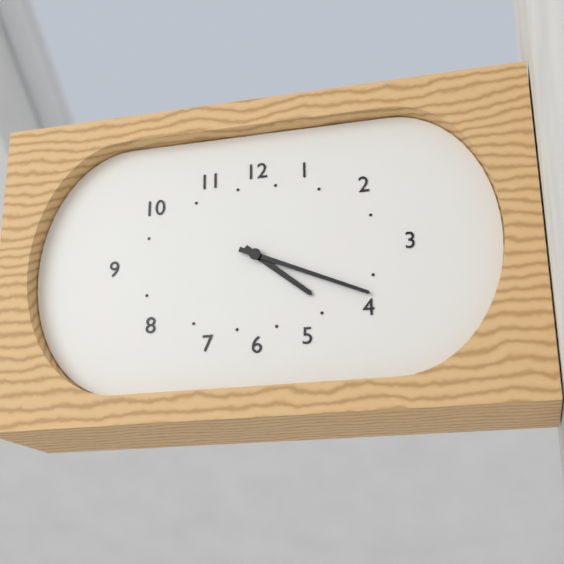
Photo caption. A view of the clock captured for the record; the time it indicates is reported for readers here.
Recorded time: 4:19
